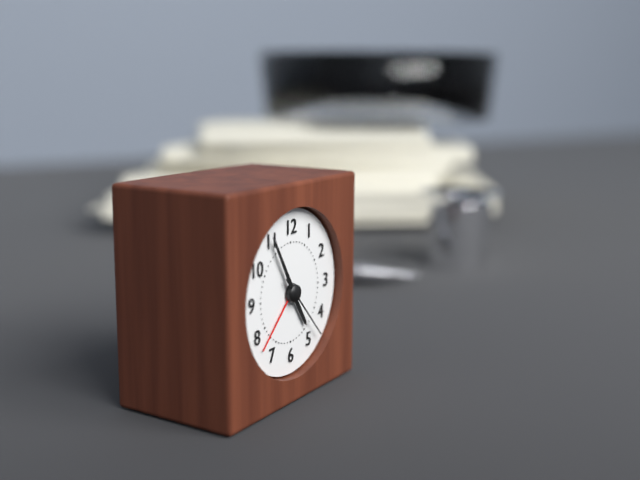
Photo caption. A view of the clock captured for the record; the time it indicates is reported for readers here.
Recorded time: 4:55:23
